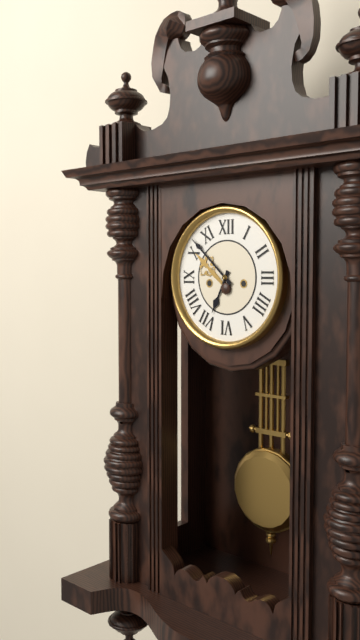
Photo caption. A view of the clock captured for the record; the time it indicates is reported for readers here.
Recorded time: 6:52
